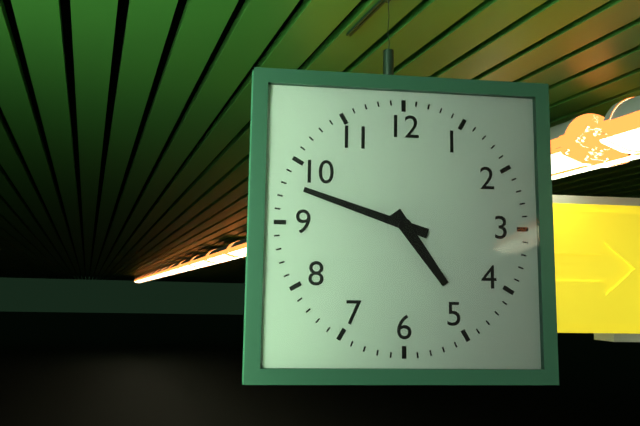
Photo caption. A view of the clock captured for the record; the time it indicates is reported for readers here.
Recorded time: 4:48
